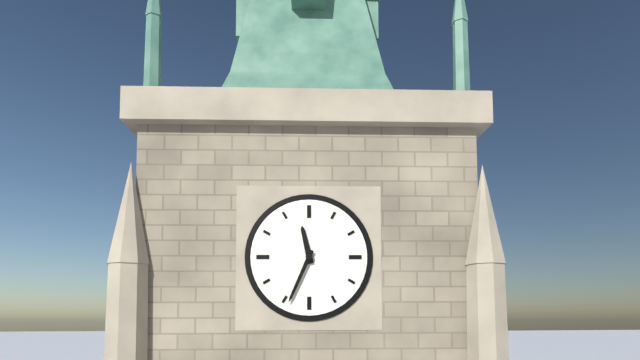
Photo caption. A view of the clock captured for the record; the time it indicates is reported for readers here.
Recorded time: 11:34
